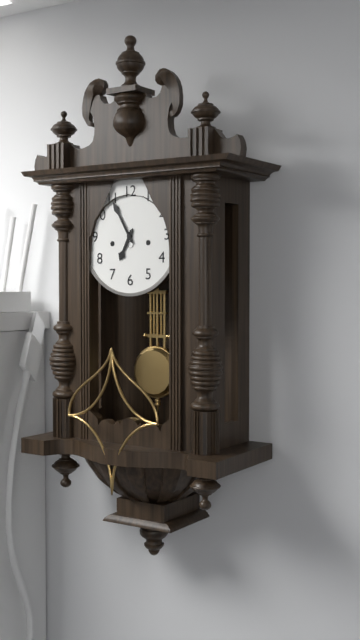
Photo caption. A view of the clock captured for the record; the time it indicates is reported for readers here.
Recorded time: 6:55
